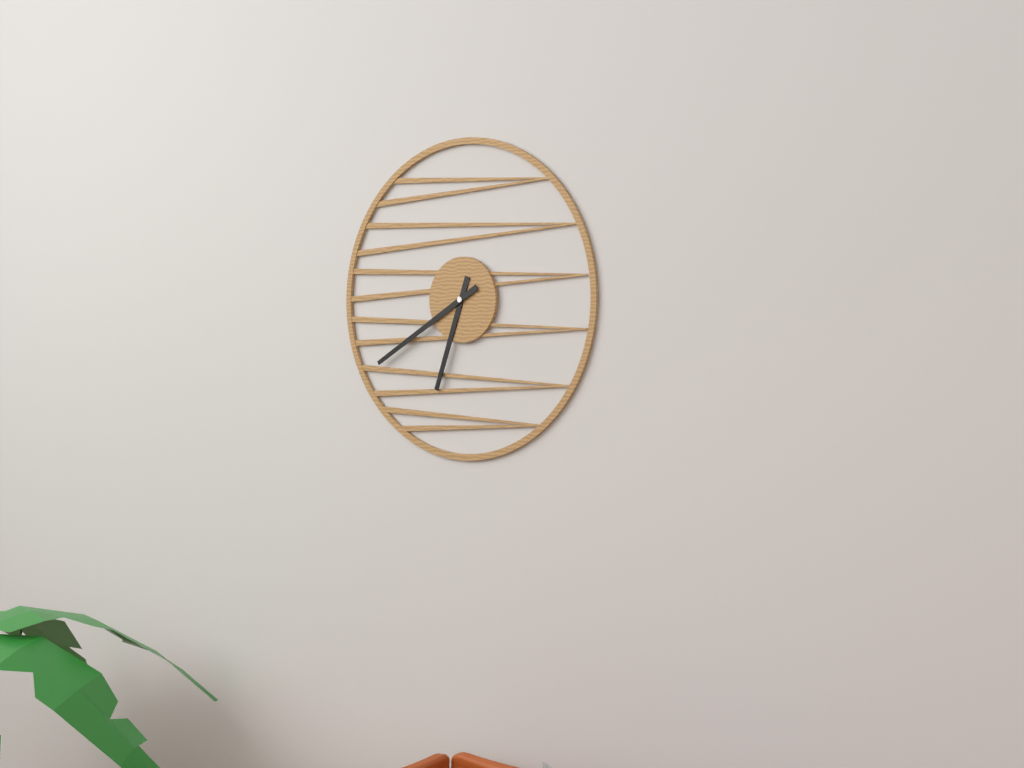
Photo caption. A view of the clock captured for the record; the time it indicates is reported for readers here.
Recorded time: 6:40
